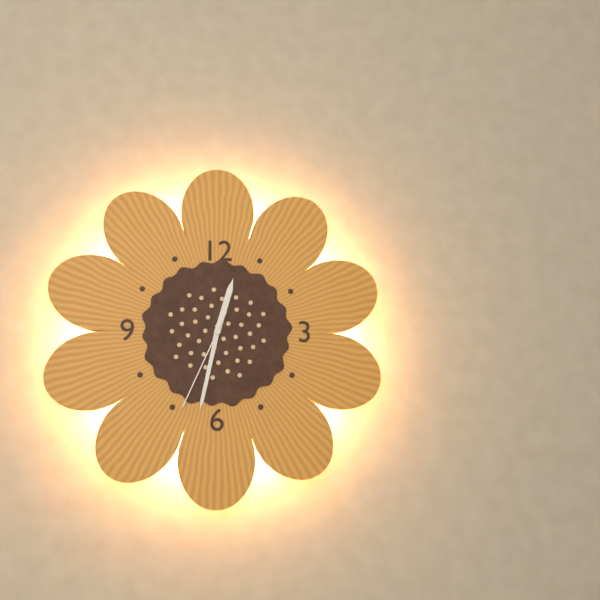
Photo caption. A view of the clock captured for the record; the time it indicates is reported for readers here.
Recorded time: 12:32:34
